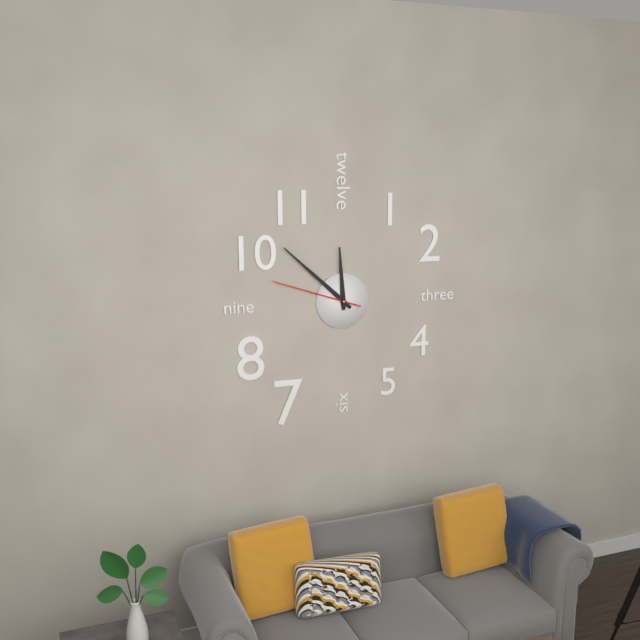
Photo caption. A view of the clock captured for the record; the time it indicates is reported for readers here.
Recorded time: 11:52:48
